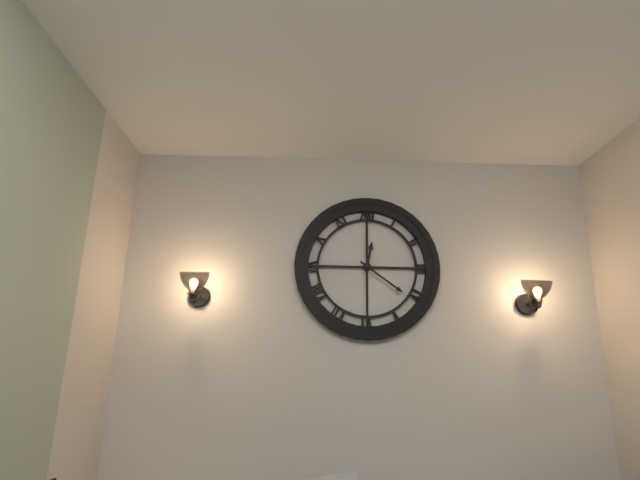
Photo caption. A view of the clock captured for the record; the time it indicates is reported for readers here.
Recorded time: 12:21
